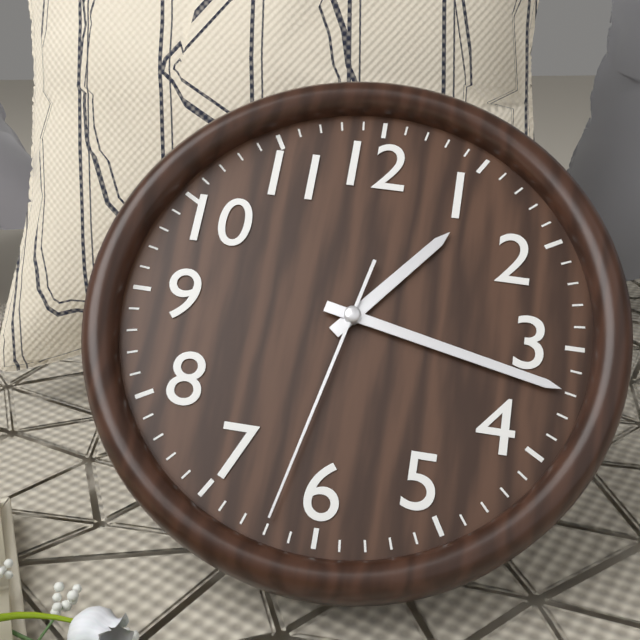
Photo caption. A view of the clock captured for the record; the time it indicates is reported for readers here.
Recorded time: 1:17:32
